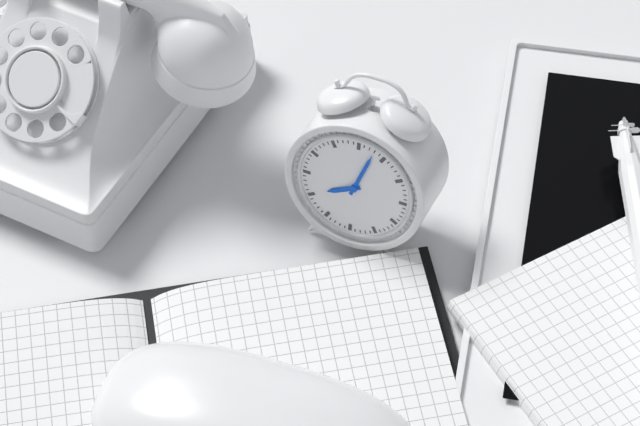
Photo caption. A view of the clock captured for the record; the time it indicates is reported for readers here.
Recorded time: 8:03
